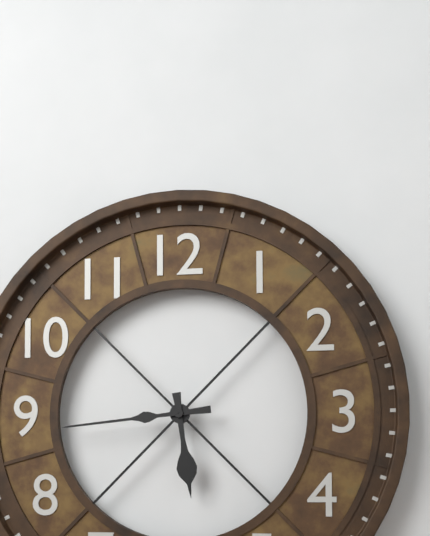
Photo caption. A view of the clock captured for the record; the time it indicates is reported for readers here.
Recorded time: 5:44
